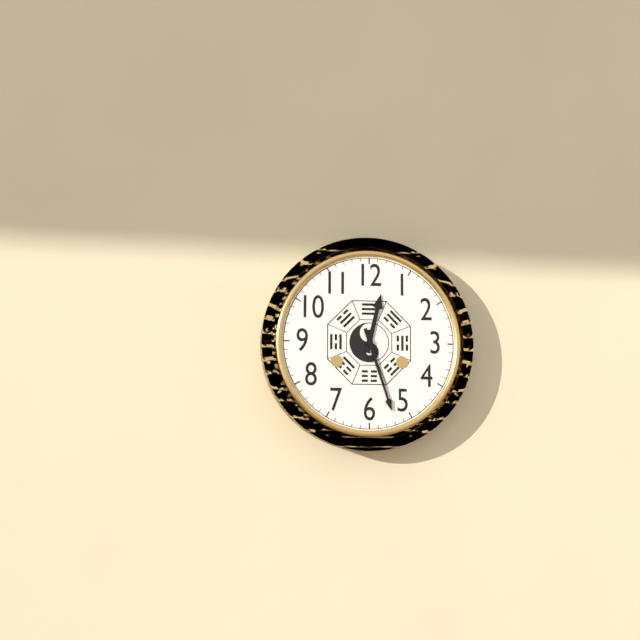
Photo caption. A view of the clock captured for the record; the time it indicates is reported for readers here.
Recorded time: 12:27
